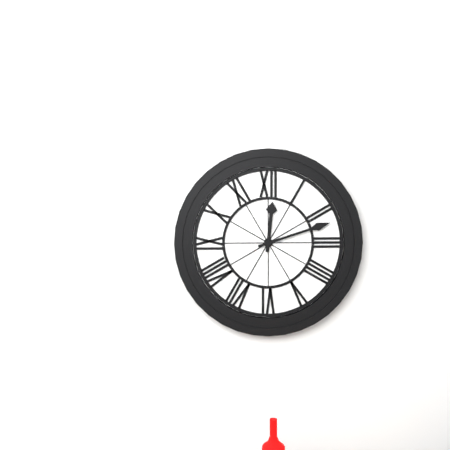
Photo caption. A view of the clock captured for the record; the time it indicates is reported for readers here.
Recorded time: 12:12
